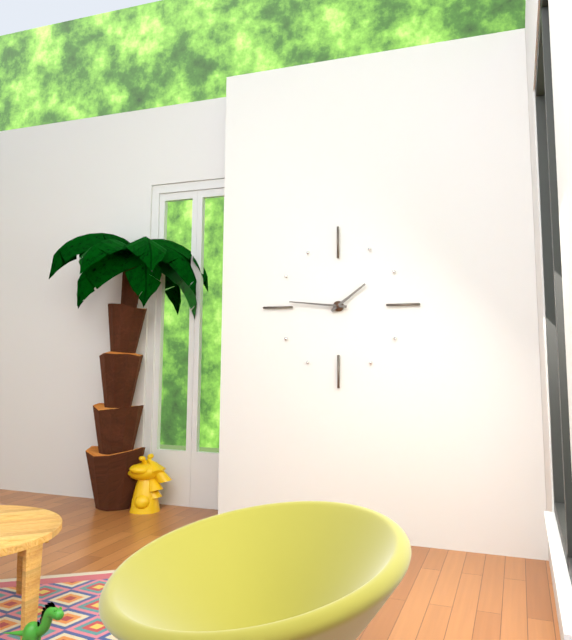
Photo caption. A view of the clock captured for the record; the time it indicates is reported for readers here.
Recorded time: 1:46
